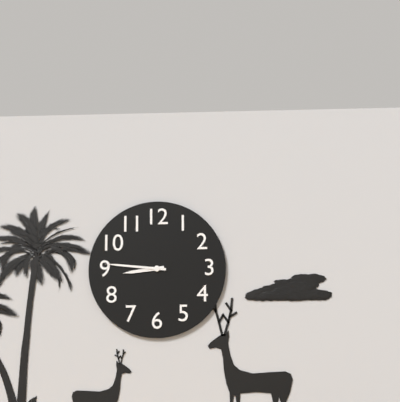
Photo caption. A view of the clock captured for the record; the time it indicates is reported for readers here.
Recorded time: 8:46
